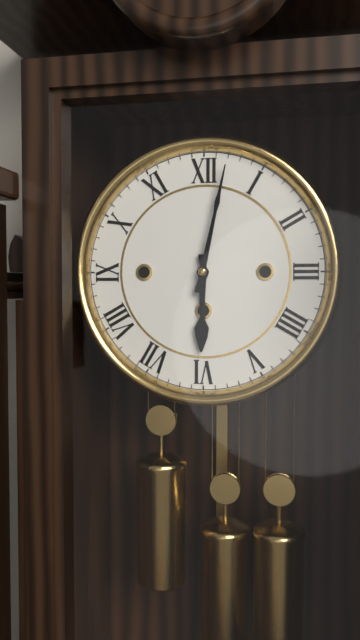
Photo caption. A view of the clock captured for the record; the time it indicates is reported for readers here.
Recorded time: 6:02
